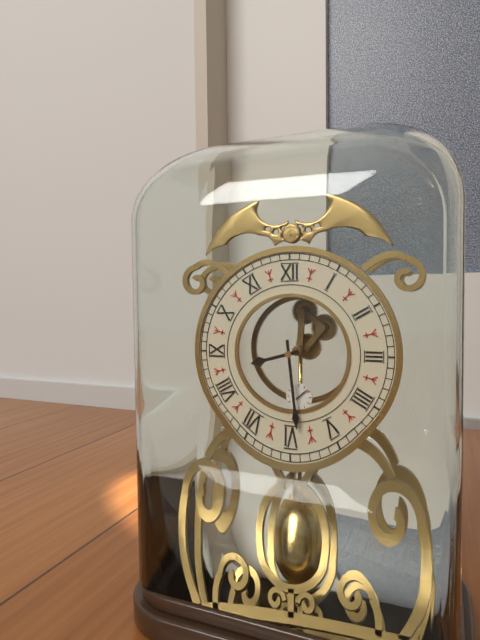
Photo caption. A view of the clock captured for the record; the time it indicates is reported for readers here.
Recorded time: 8:29
